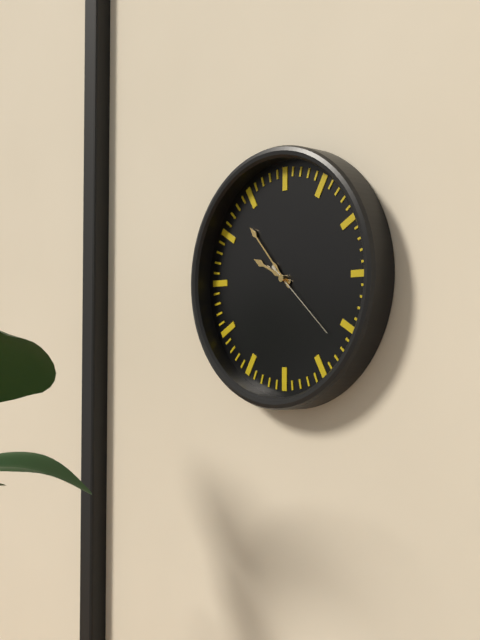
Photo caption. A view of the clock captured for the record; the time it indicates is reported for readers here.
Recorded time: 9:53:22
